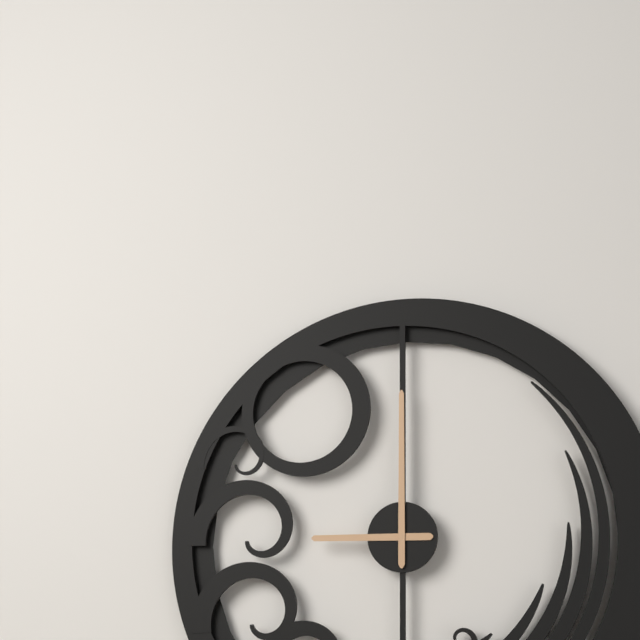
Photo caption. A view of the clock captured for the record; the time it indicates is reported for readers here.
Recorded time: 9:00
